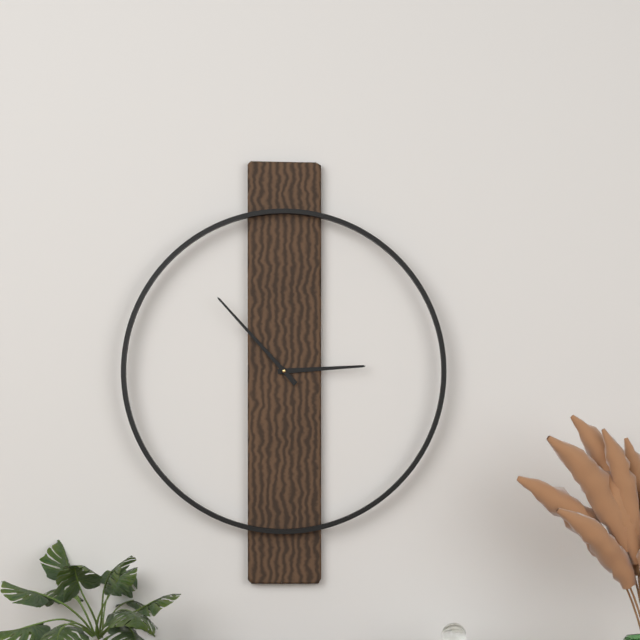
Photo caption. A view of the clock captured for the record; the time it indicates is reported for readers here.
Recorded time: 2:53
